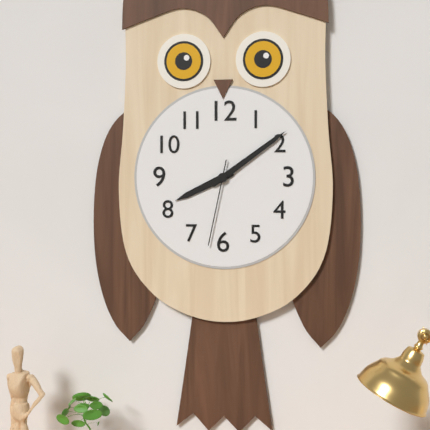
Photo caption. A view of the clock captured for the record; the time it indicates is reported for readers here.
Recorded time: 8:09:32
